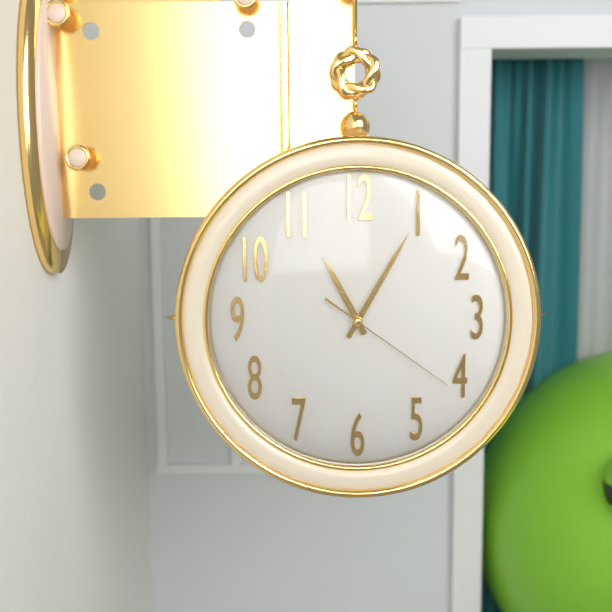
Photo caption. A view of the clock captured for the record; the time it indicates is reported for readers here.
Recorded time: 11:05:21
